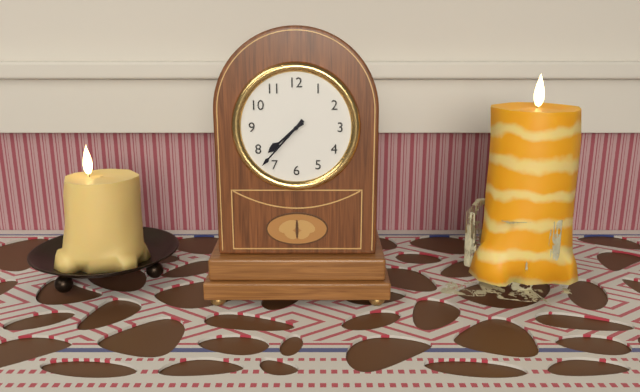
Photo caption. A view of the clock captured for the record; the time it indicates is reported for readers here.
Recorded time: 7:37
